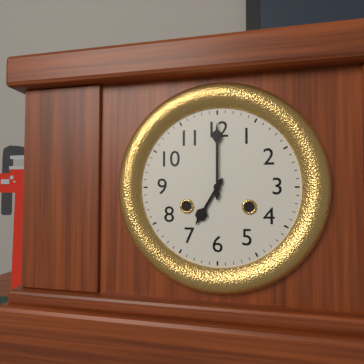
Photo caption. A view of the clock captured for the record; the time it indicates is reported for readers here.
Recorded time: 7:00
